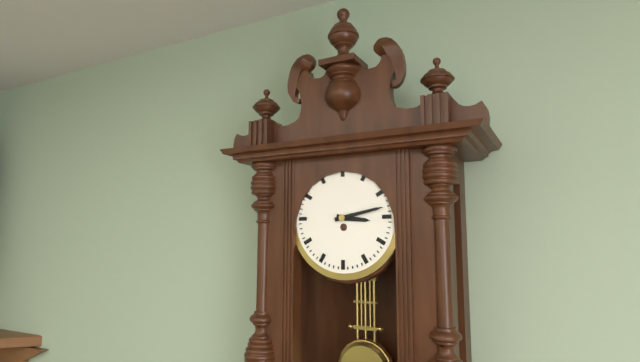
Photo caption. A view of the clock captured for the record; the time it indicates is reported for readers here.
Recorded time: 3:13
